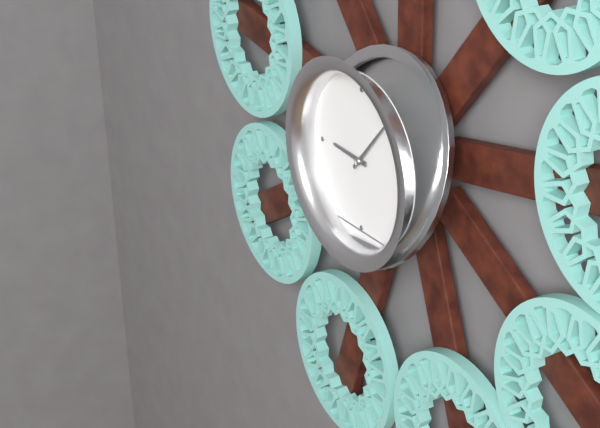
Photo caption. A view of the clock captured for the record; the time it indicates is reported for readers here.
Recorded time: 9:07
